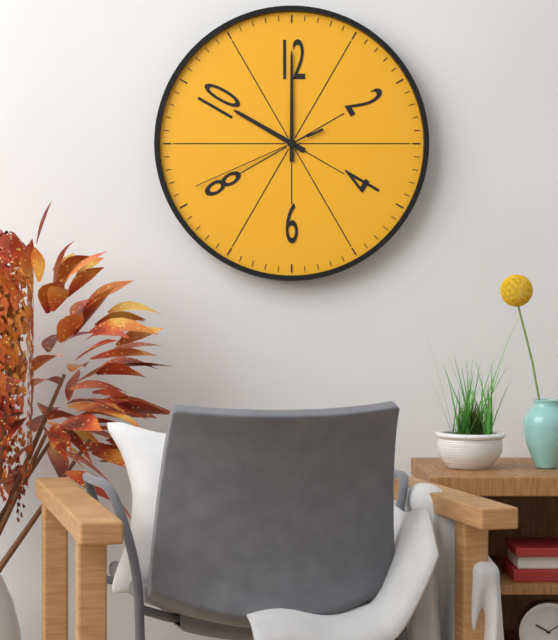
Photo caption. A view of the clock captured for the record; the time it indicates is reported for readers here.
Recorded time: 10:00:41
